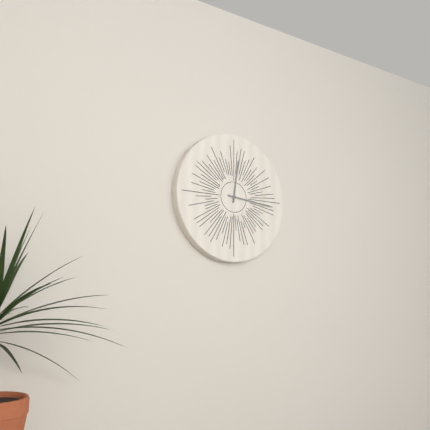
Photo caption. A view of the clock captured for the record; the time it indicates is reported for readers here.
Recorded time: 12:16
